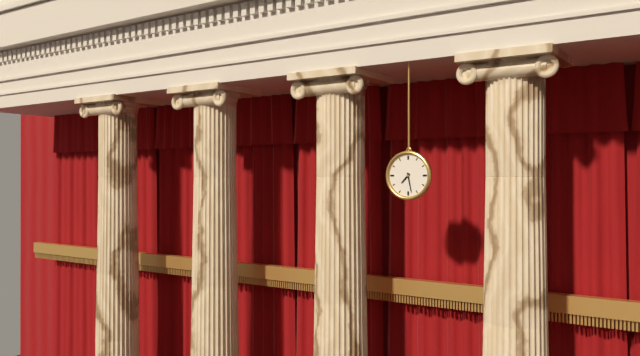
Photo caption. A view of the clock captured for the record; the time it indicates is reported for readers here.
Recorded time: 7:28
